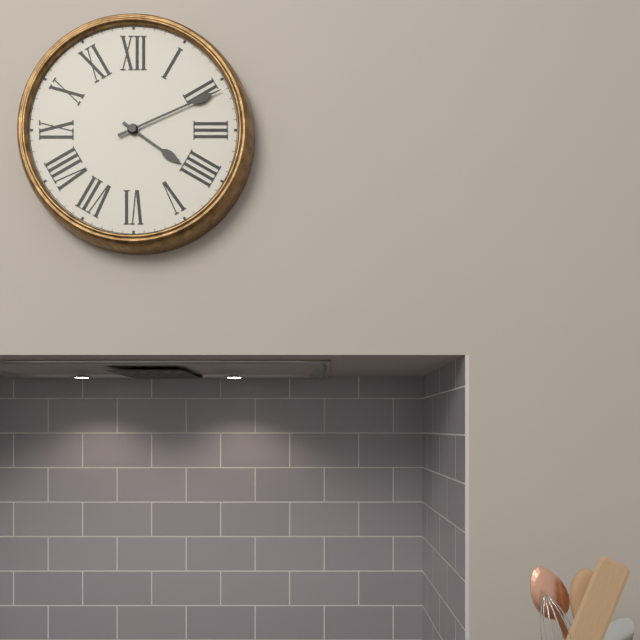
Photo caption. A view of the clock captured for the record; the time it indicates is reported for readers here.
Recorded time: 4:11
